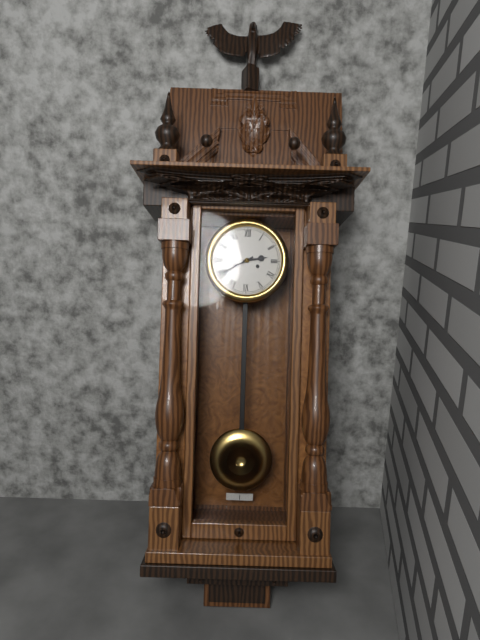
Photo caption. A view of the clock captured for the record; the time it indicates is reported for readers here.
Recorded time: 2:40
